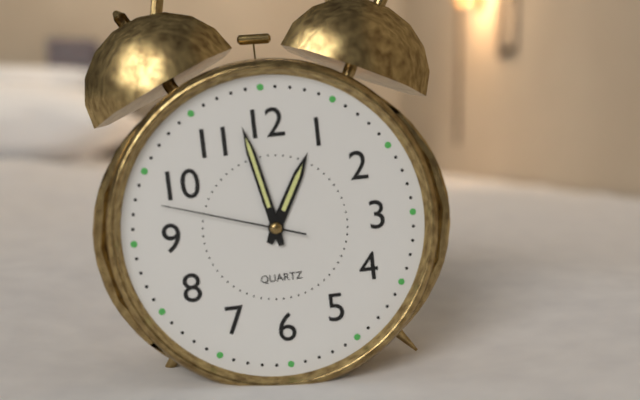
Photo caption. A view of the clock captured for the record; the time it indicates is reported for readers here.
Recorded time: 12:58:48
